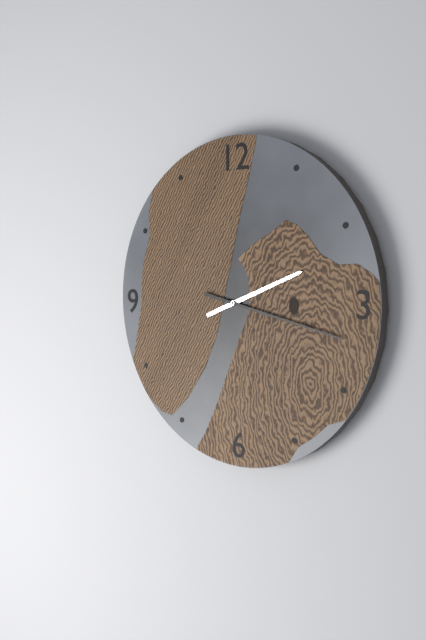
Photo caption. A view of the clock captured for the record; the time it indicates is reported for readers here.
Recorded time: 2:17
